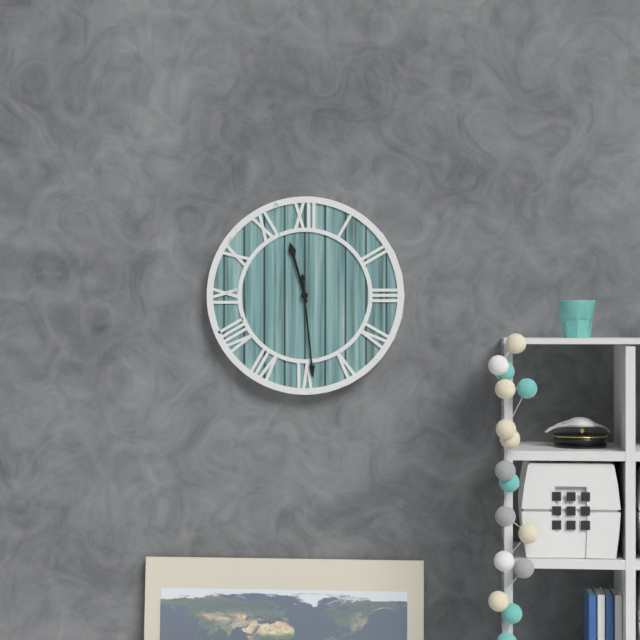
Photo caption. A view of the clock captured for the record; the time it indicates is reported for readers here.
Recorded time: 11:29
